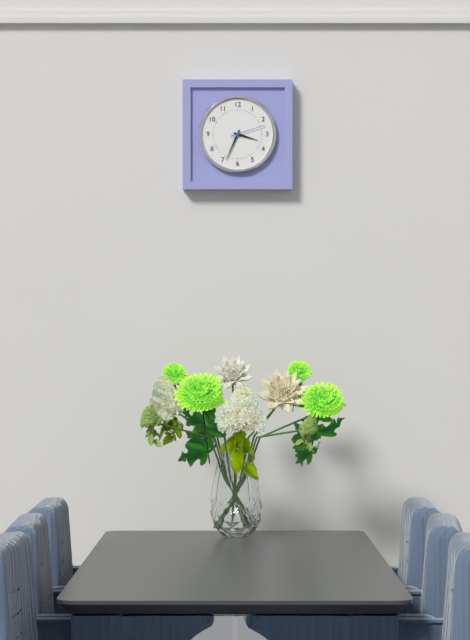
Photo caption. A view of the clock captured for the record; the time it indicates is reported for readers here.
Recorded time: 3:34
